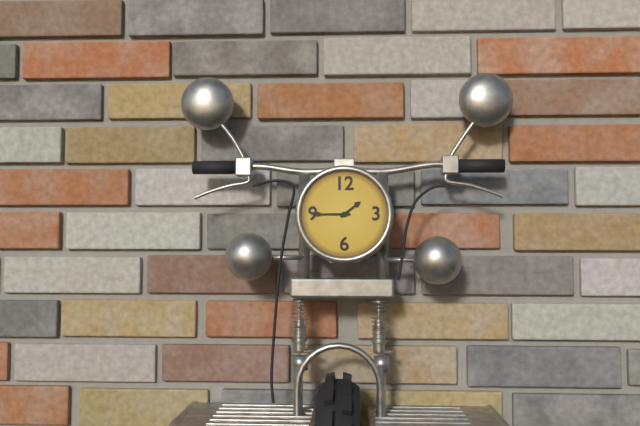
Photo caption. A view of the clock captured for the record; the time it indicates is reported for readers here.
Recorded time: 1:45
